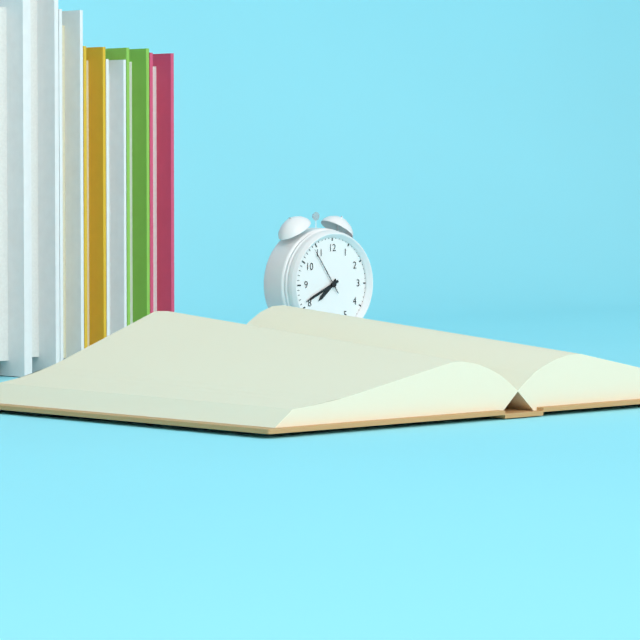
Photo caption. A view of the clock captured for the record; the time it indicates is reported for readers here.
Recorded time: 7:41
